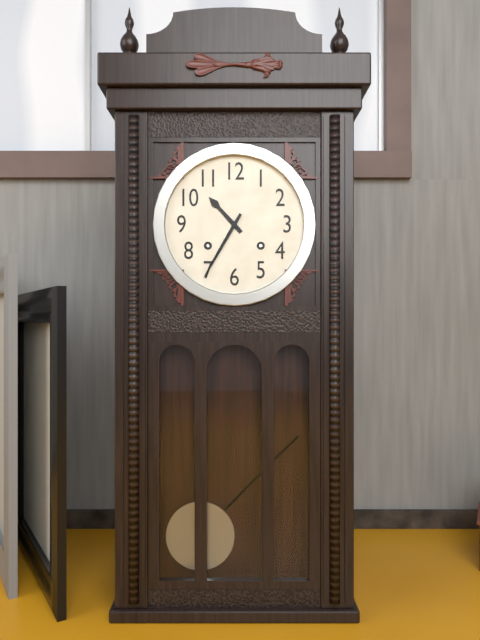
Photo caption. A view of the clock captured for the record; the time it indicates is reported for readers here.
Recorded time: 10:35
